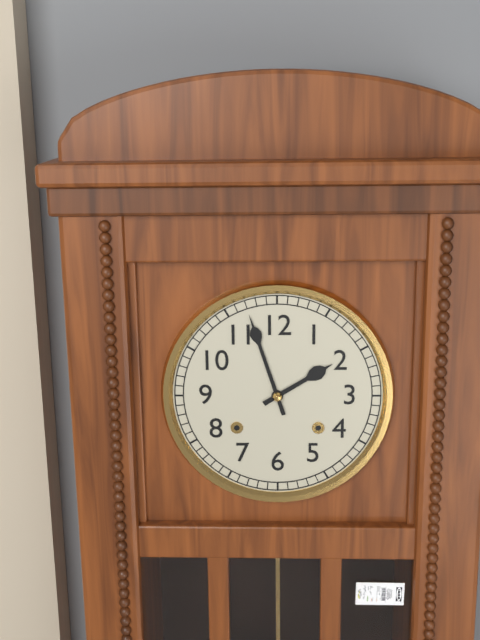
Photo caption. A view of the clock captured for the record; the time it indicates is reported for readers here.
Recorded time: 1:57
